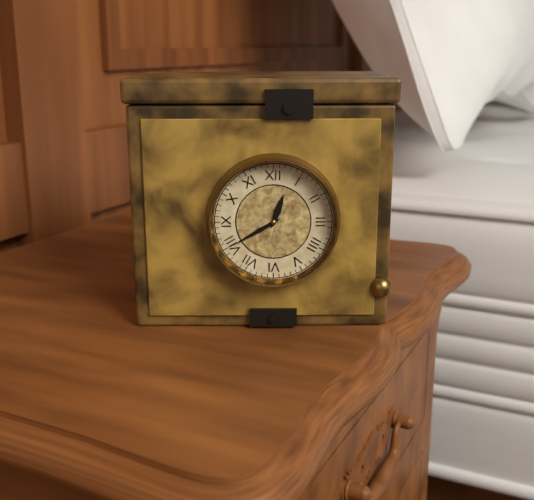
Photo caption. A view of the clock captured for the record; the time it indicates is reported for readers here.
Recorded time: 12:40
